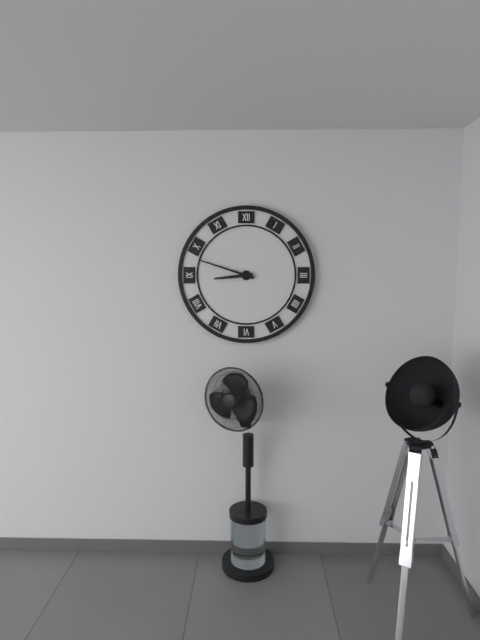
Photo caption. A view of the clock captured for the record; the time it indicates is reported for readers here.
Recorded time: 8:48
